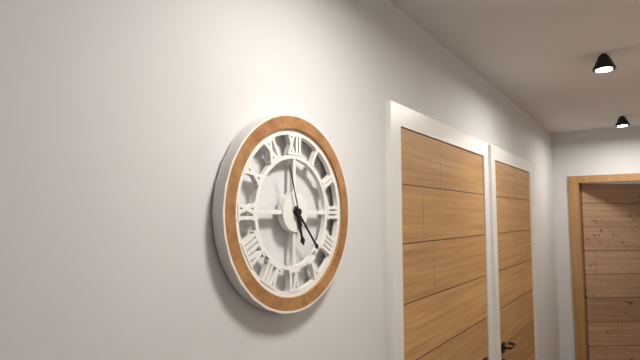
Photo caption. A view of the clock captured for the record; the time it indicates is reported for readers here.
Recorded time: 5:23:57
